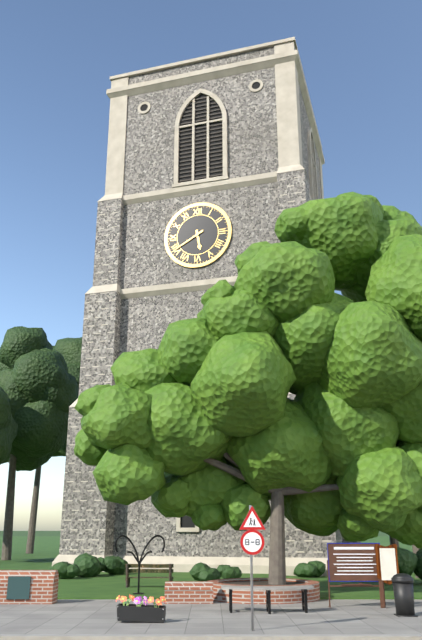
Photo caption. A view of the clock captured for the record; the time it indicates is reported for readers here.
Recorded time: 5:40
